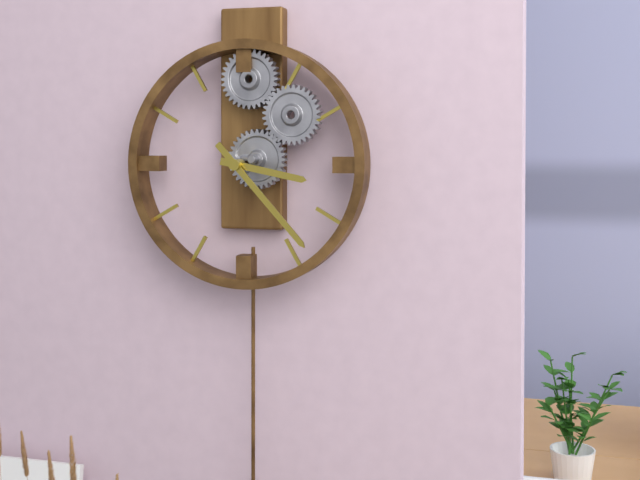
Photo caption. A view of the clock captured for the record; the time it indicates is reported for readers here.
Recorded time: 3:23
